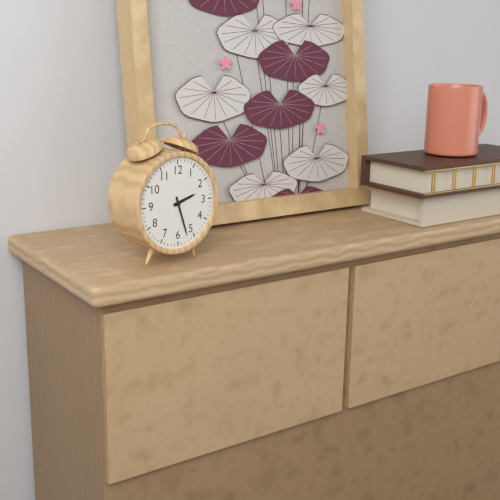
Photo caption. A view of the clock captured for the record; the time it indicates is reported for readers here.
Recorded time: 2:27
